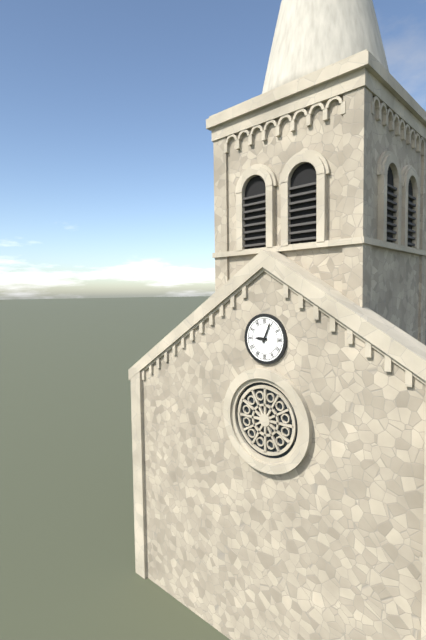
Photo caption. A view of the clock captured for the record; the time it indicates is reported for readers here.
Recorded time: 9:04
